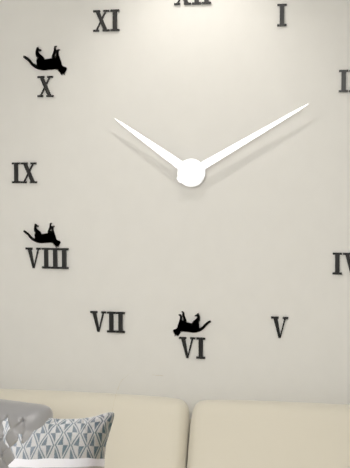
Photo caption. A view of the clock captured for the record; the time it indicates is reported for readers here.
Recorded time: 10:10
